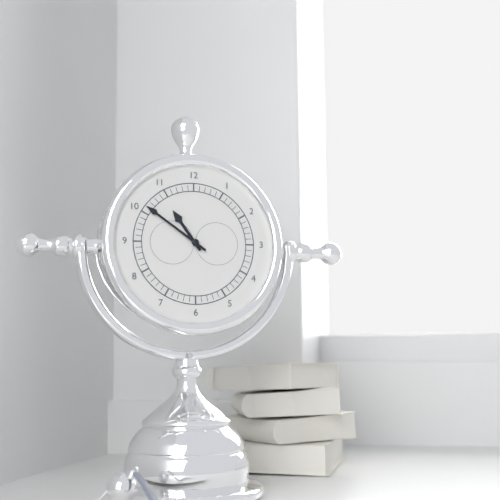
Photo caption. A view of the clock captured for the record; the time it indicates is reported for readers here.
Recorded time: 10:51
